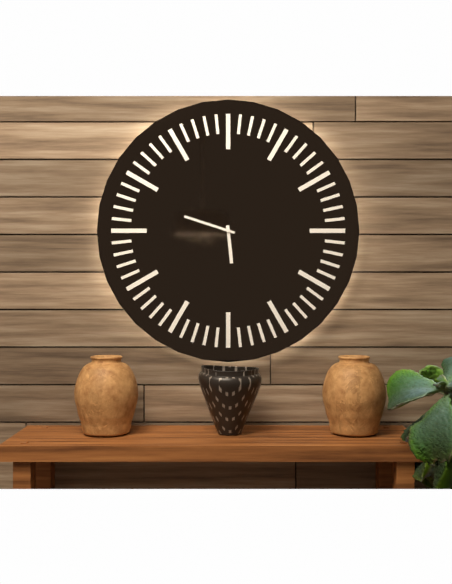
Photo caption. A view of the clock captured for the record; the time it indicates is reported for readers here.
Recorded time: 5:48
